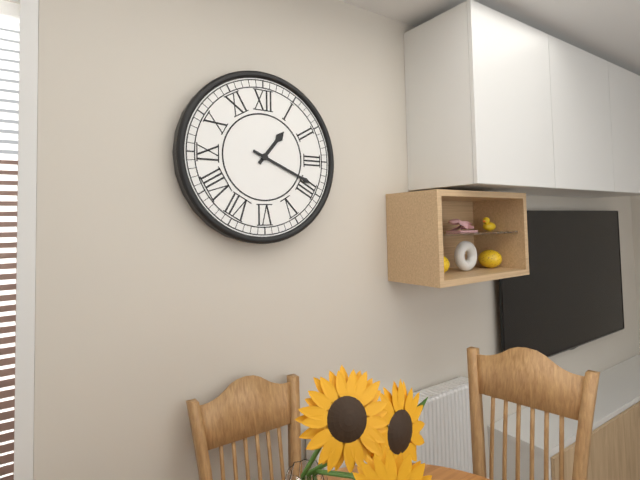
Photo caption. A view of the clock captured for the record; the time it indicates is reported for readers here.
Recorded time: 1:19
